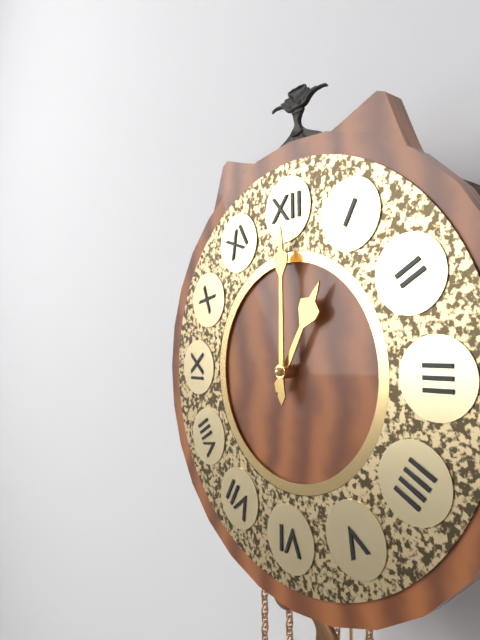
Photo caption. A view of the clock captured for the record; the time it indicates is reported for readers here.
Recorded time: 1:00
